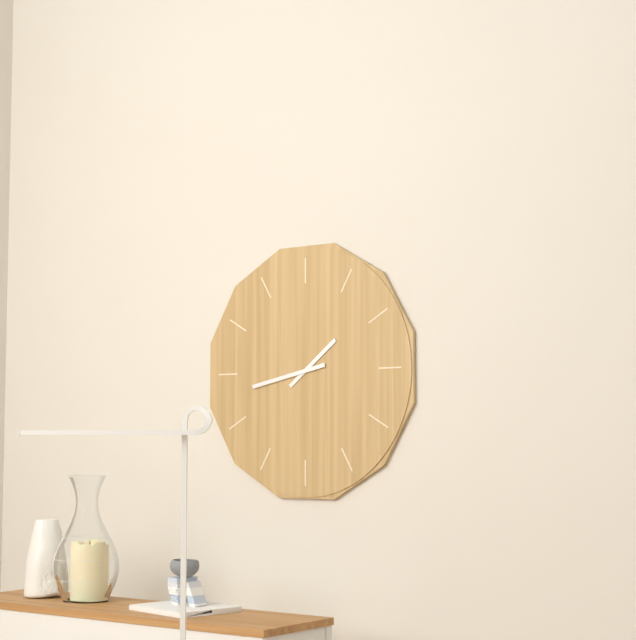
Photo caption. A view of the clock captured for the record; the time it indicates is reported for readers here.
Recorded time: 1:43
